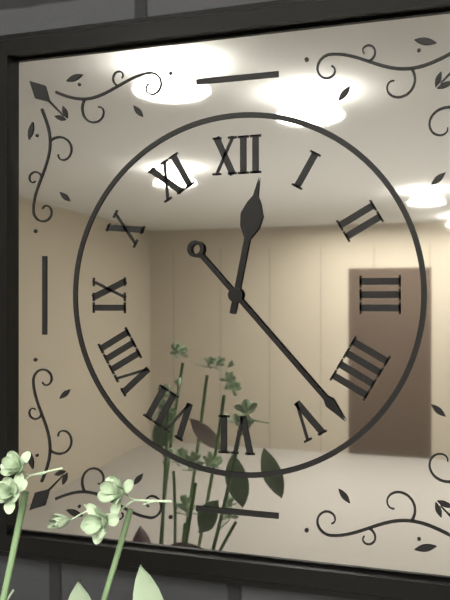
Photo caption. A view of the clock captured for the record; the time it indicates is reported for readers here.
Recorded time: 12:23
